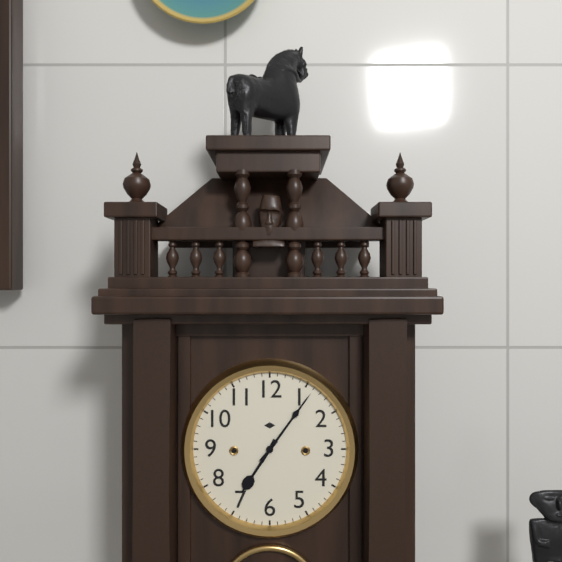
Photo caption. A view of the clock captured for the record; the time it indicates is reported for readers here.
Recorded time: 7:06
